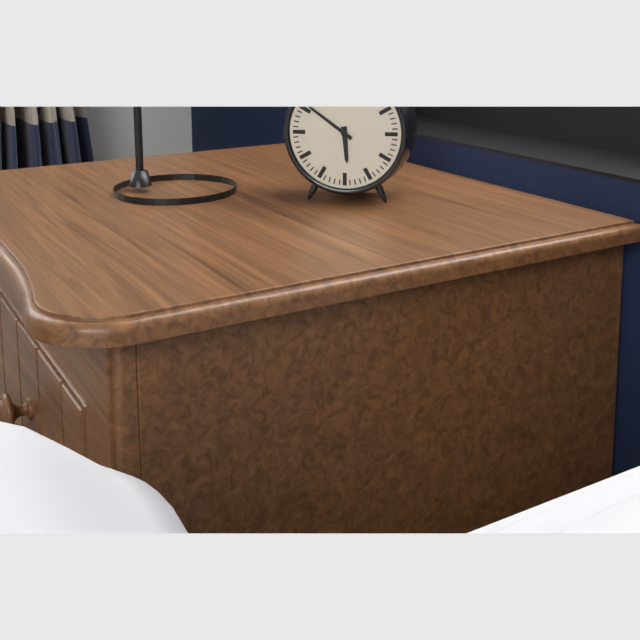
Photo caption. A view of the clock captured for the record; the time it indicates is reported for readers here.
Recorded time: 5:51
